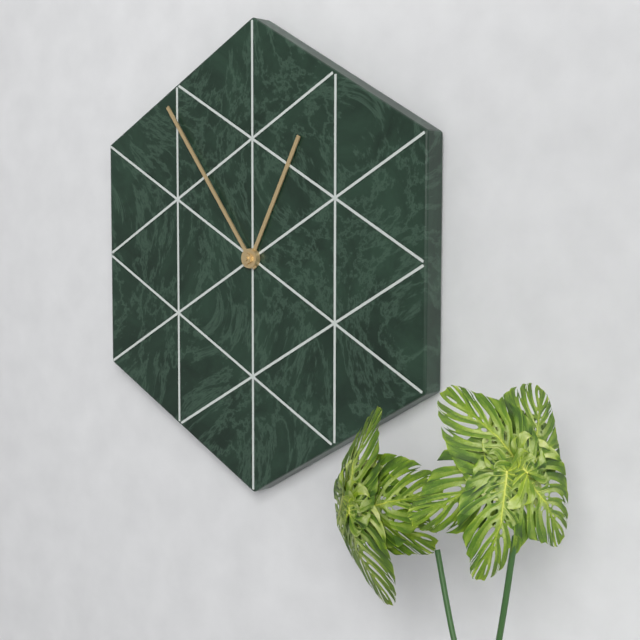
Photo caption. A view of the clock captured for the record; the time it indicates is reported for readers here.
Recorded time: 12:54
